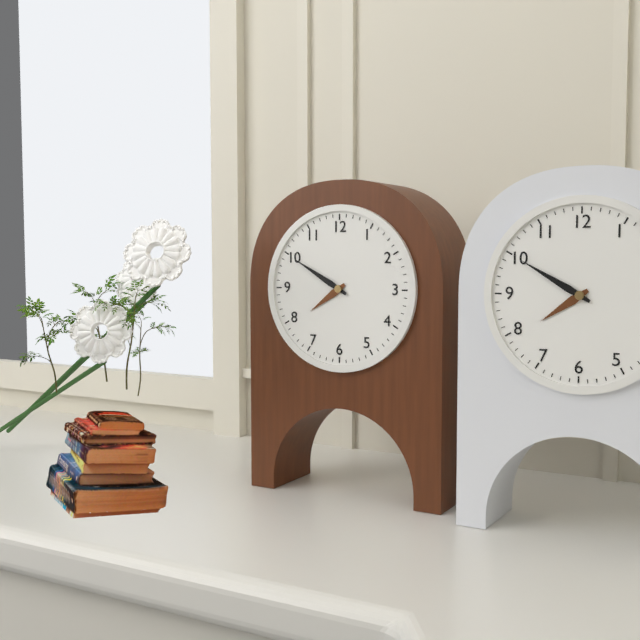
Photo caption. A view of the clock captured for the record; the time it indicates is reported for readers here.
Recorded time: 7:50
